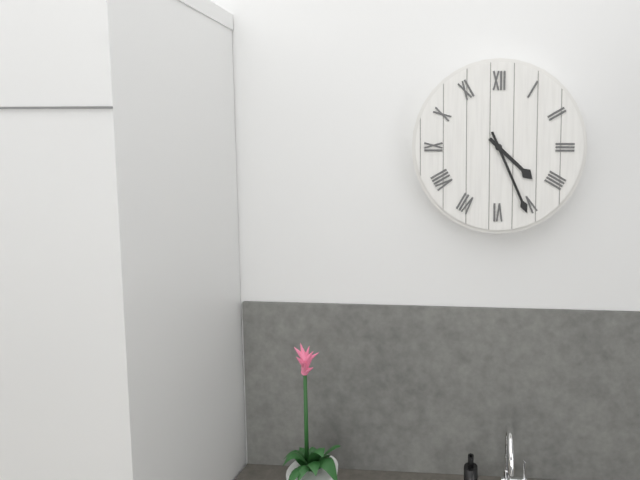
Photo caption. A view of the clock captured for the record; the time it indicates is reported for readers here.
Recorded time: 4:26
